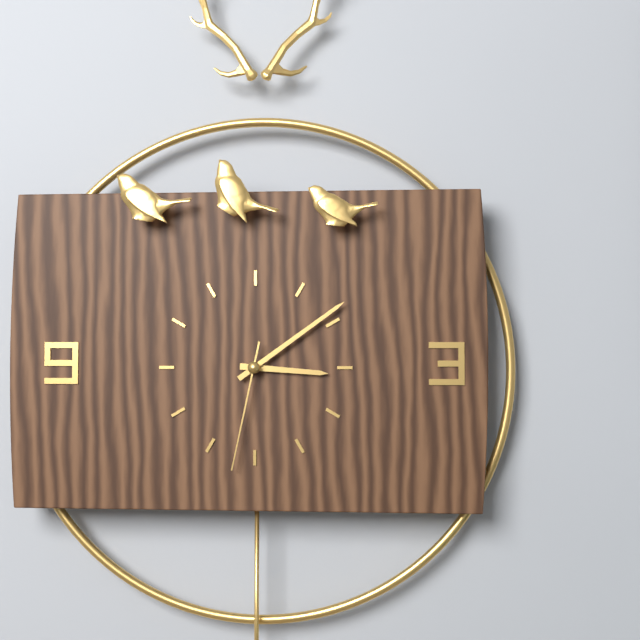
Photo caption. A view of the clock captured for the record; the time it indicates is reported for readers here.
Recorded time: 3:09:32
